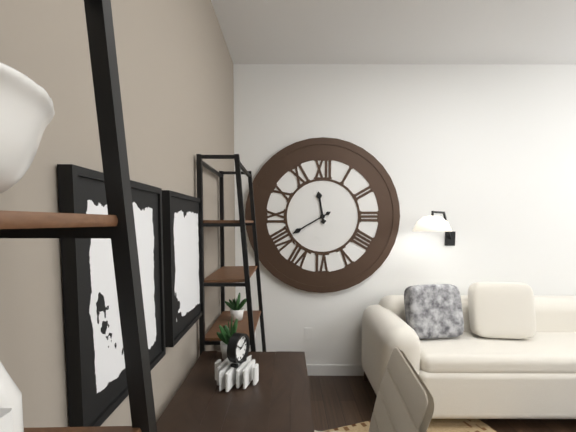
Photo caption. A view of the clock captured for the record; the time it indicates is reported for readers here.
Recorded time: 11:40
